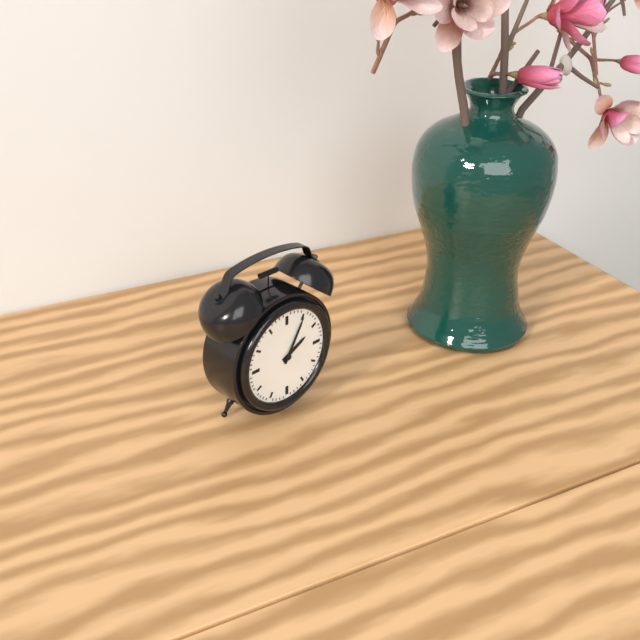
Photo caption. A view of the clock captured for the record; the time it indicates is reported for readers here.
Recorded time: 2:05
